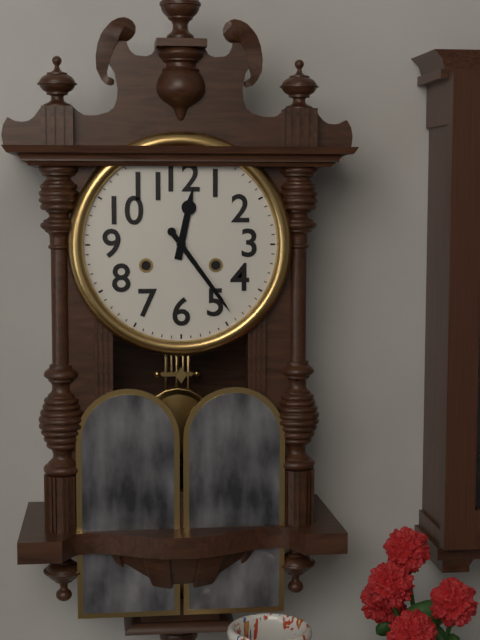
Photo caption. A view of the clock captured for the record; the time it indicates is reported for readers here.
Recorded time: 12:24
